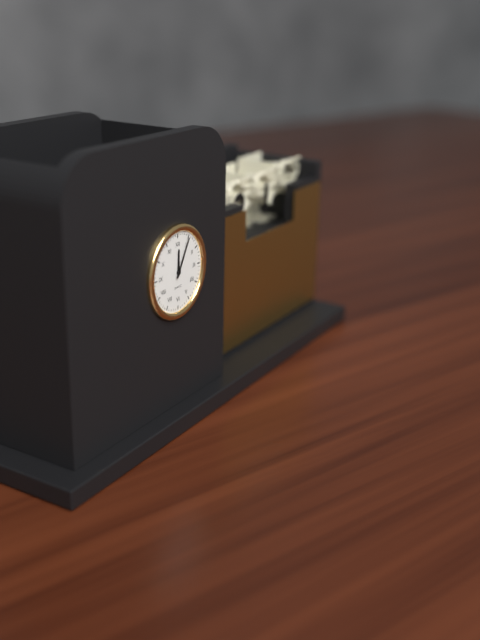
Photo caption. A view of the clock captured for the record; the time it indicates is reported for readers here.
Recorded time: 12:05
